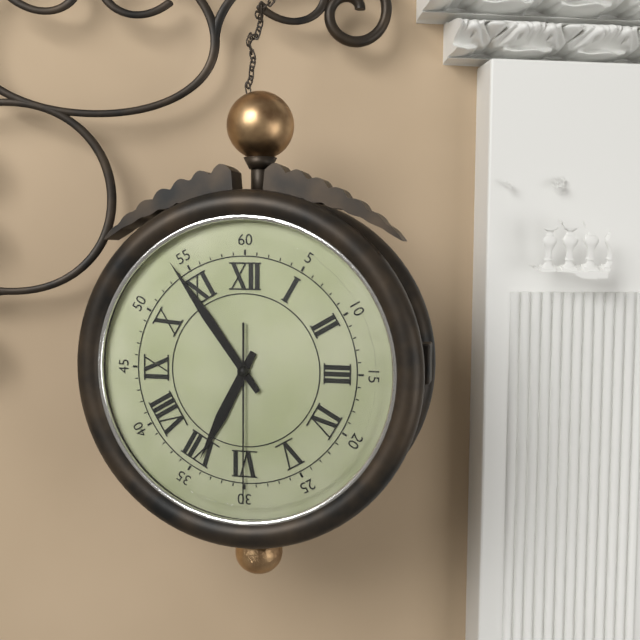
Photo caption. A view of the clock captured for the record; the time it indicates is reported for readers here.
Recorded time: 6:54:30
